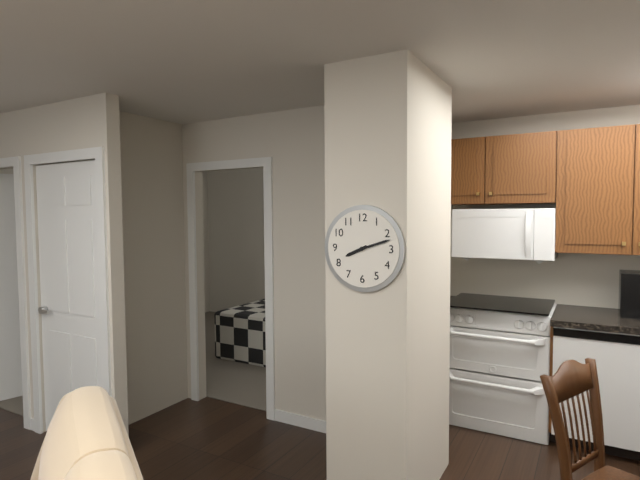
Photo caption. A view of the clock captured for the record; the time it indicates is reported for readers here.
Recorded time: 8:12
